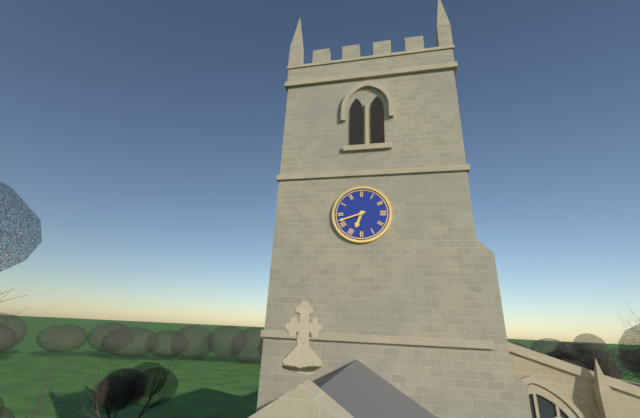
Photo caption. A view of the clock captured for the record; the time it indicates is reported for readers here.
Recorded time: 6:42
